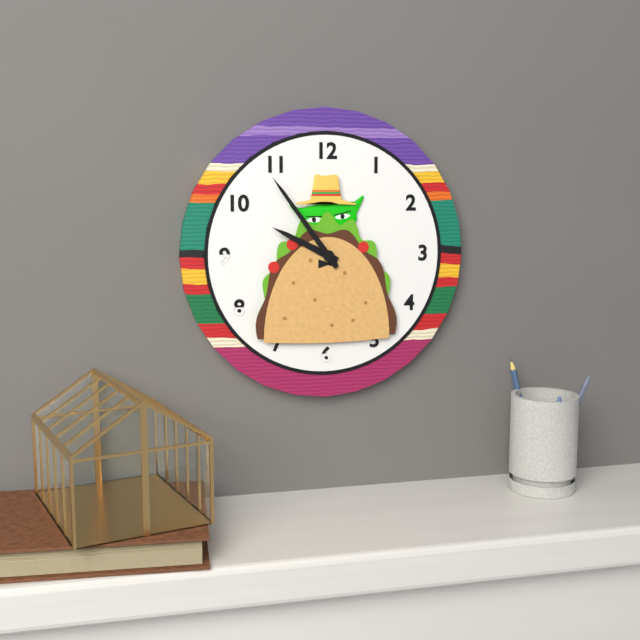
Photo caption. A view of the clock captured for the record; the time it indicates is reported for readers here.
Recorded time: 9:54
